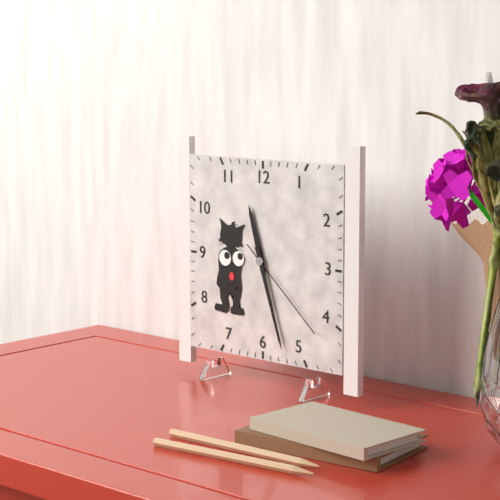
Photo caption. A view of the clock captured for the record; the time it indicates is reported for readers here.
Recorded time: 11:27:22
